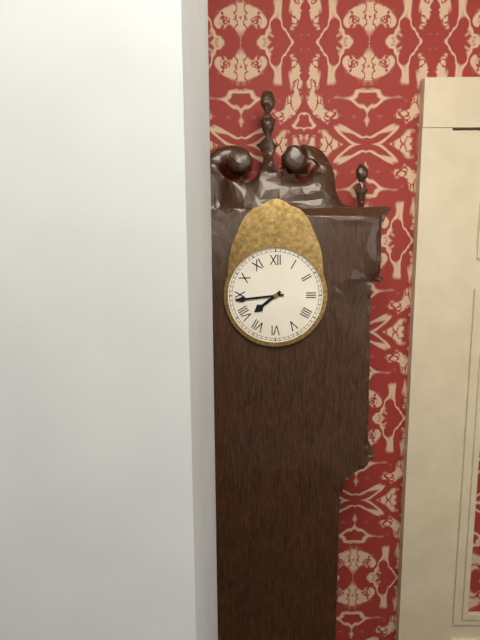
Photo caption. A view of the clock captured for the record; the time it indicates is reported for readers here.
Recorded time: 7:44
